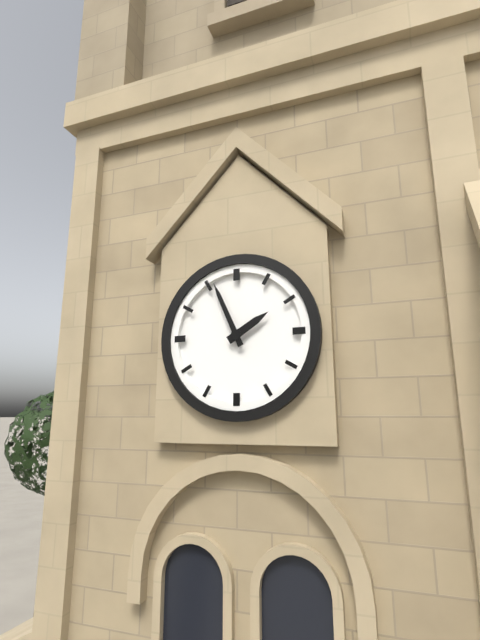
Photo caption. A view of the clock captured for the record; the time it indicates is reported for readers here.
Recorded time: 1:56
